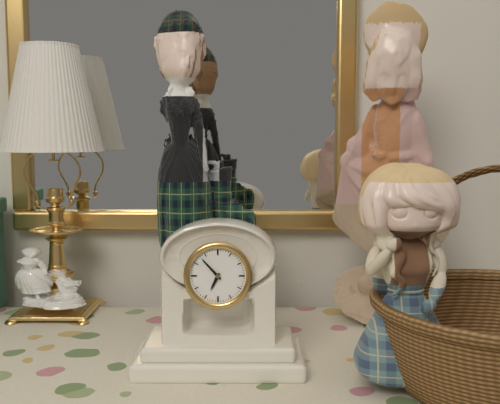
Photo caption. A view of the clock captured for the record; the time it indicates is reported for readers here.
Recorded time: 6:53
